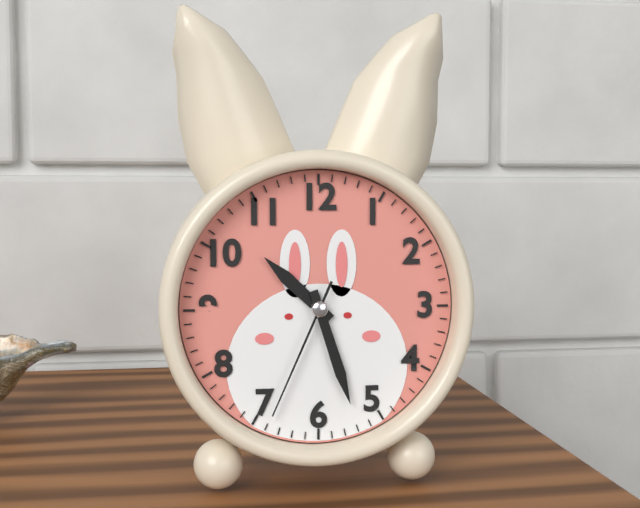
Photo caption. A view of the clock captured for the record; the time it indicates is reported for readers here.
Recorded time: 10:27:34
